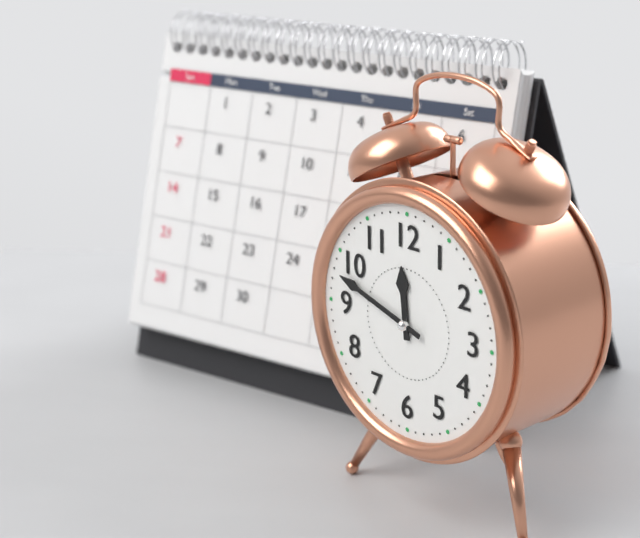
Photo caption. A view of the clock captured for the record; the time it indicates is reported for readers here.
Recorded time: 11:48
